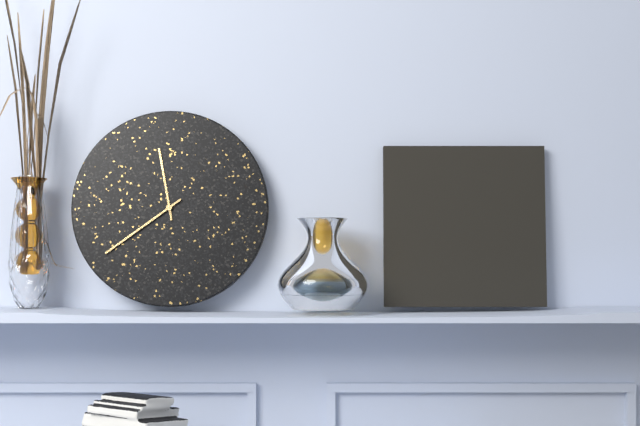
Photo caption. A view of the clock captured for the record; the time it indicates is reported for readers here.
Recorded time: 11:39
